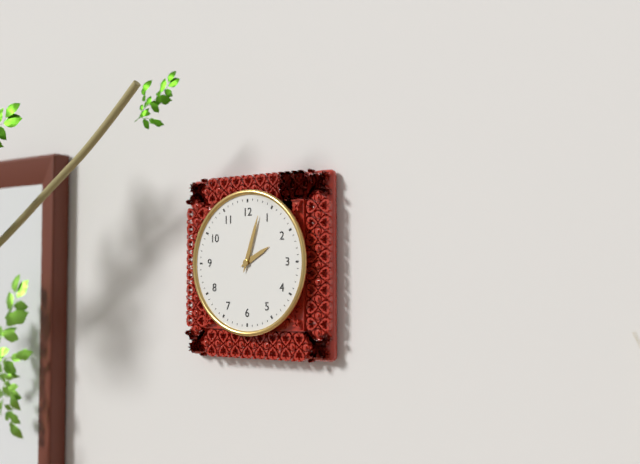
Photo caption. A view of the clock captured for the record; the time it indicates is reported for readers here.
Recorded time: 2:03
